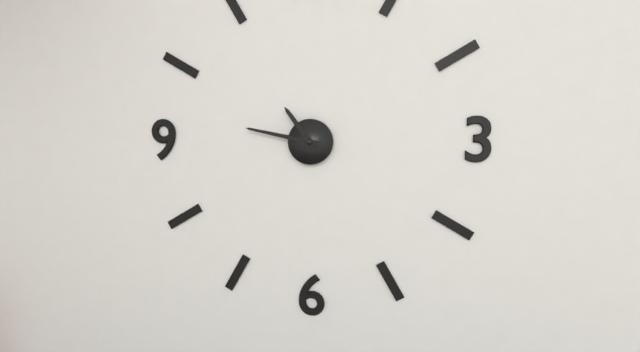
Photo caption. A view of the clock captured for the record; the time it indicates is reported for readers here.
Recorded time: 10:47
